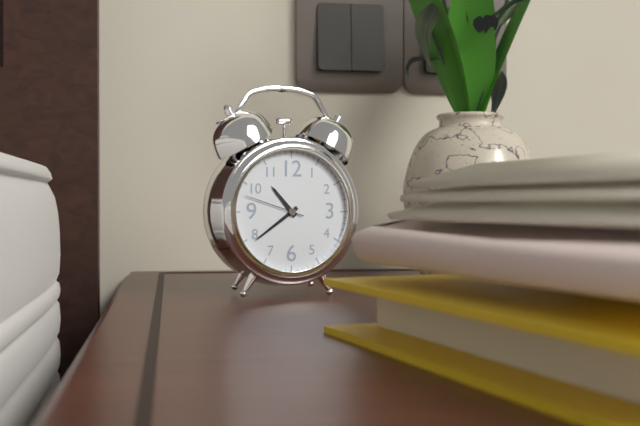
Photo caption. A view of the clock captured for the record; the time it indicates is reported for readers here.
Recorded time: 10:39:48
